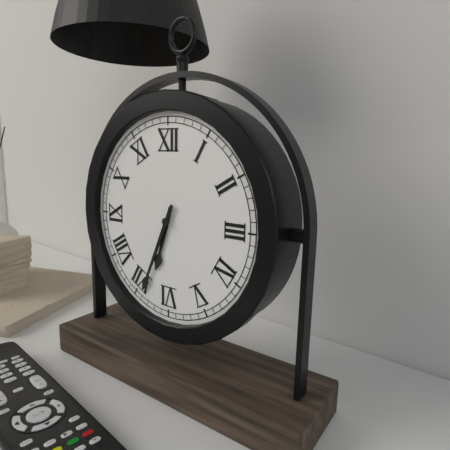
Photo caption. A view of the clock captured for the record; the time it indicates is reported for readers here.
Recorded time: 6:34
